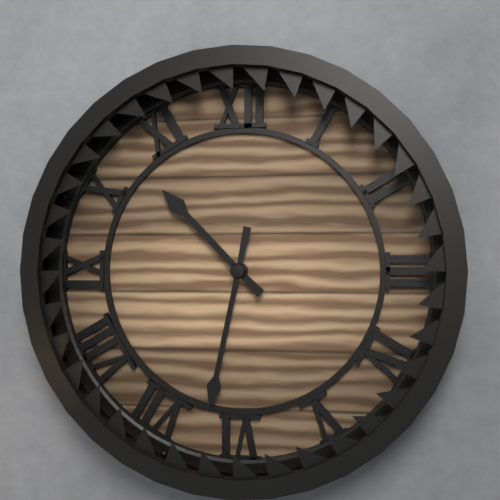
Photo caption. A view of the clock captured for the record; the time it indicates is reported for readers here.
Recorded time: 10:32
